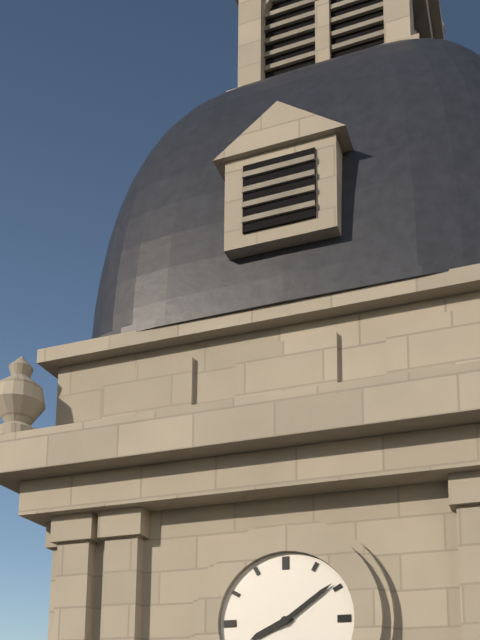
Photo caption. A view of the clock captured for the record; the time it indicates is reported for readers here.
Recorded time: 8:09
